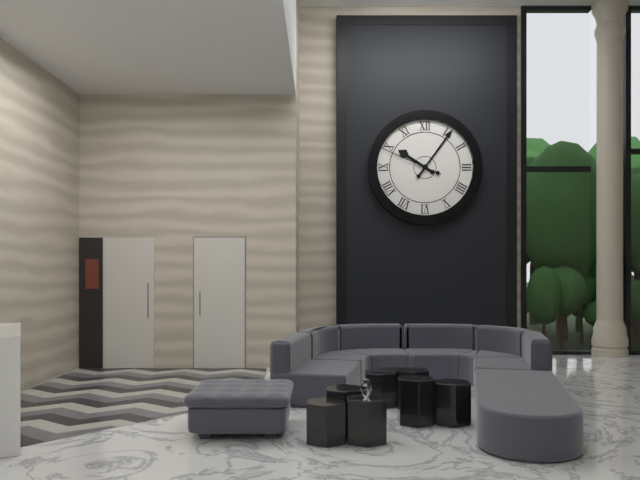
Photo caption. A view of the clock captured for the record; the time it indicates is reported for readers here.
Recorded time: 10:06:49
